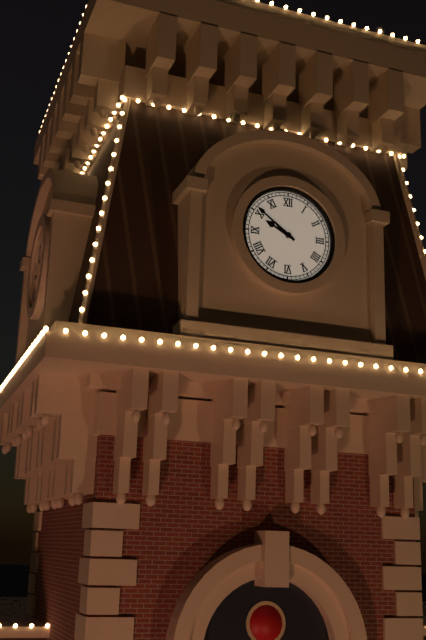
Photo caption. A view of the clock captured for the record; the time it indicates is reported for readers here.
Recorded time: 9:51
